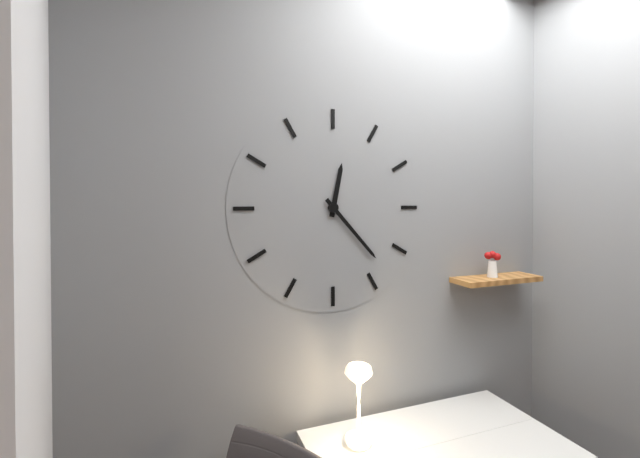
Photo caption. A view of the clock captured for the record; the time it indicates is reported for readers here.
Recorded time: 12:23
